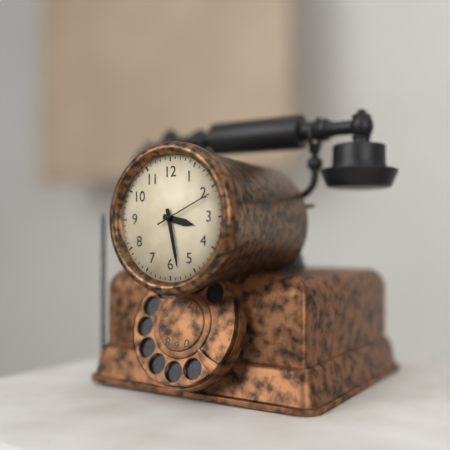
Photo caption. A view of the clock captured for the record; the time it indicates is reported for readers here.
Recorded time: 3:28:11
